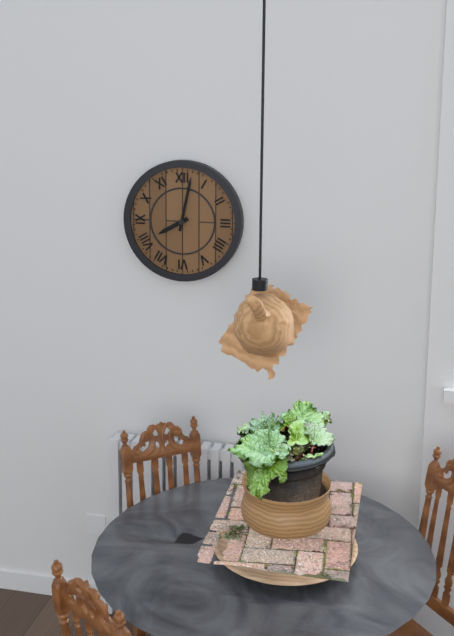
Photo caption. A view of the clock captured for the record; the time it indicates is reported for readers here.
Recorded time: 8:02
